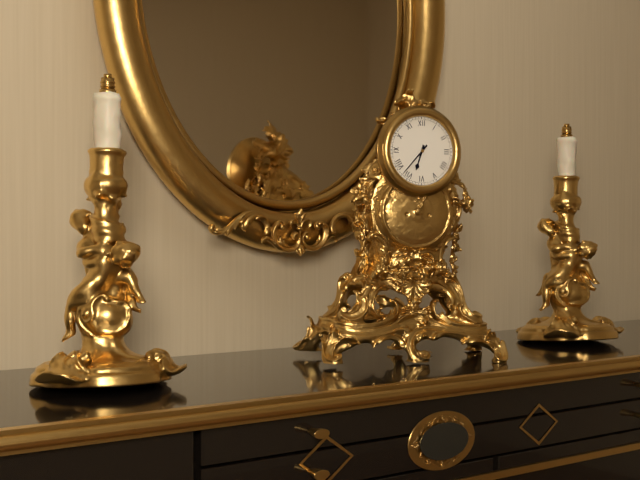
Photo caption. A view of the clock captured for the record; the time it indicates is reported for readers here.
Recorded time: 6:37
